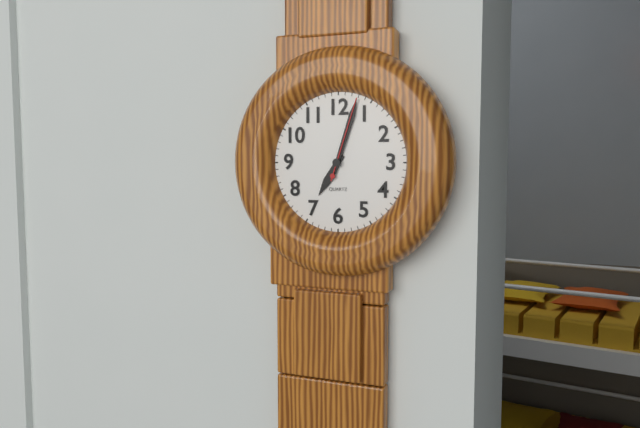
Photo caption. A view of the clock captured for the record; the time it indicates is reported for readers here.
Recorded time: 7:03:03
